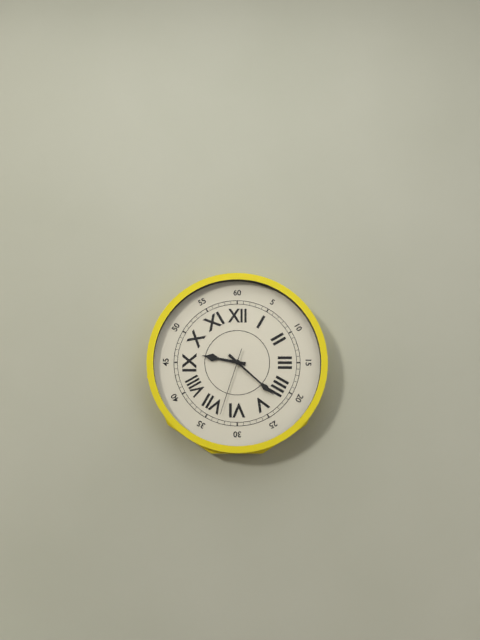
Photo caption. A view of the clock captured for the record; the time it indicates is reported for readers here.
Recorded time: 9:22:33
